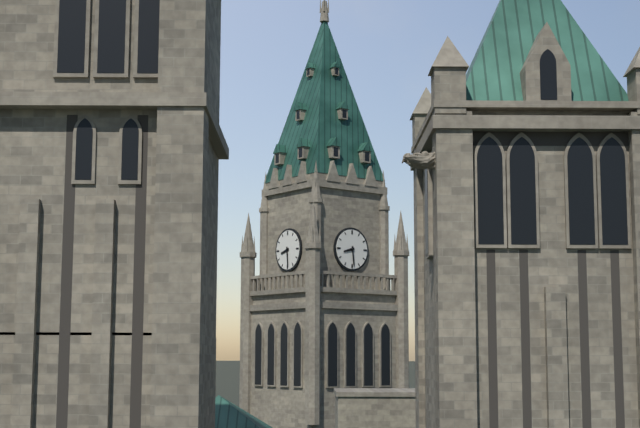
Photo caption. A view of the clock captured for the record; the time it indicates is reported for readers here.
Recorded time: 8:29
